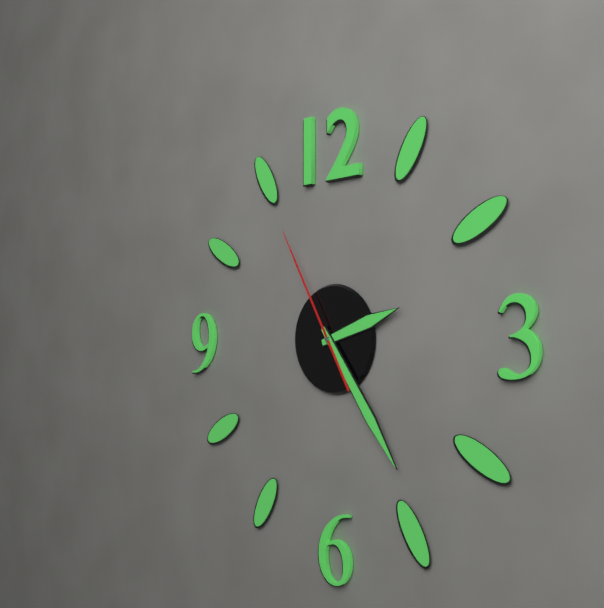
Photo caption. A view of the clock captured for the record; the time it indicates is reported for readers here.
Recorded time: 2:24:55
